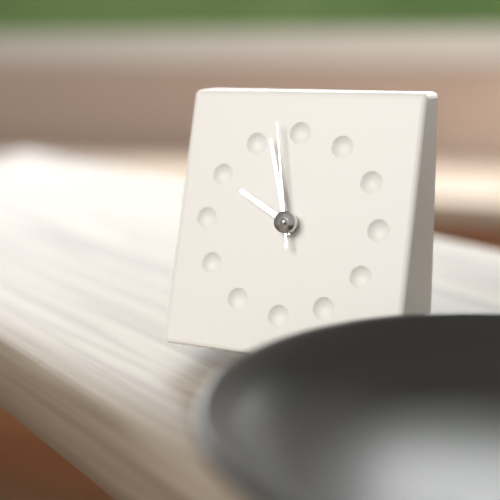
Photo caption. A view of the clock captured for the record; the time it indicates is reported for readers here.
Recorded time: 9:57:58
